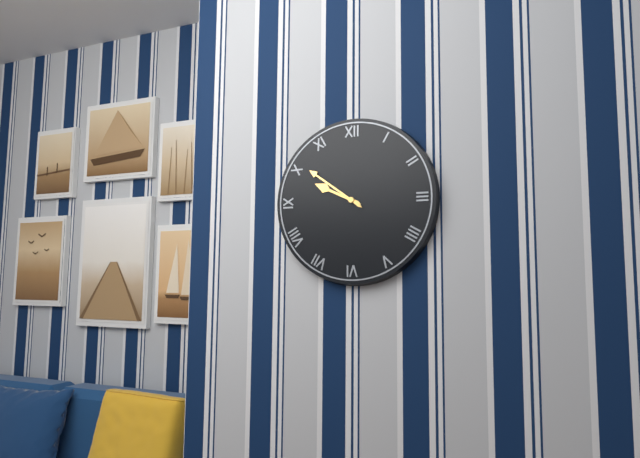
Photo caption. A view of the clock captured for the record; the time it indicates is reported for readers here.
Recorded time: 9:51
